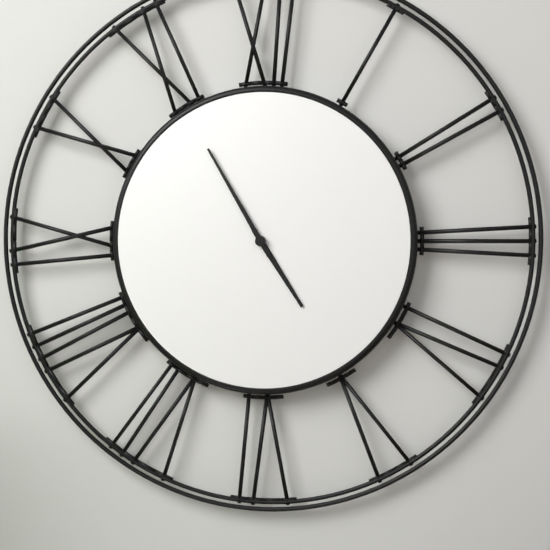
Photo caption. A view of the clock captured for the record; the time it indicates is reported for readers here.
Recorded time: 4:55
